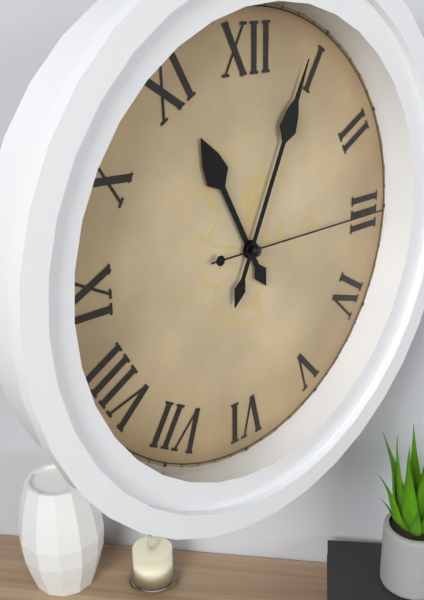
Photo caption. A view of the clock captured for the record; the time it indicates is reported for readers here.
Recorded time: 11:04:15
